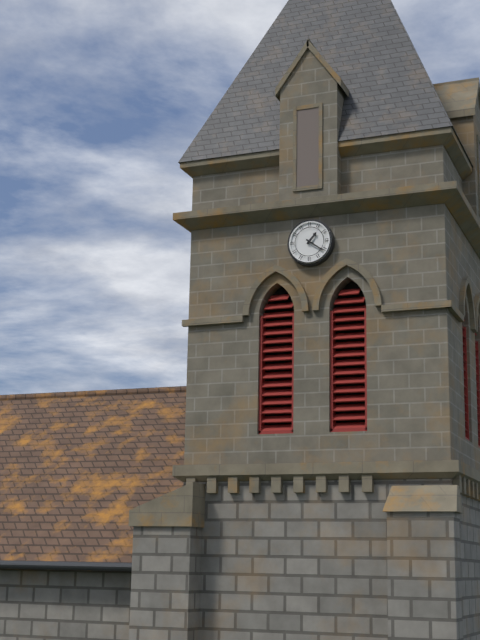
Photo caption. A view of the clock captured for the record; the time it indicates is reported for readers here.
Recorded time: 1:21
